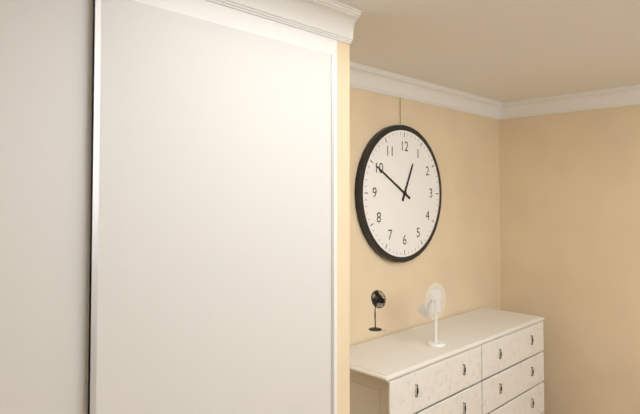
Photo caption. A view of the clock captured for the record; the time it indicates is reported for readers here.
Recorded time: 12:50
